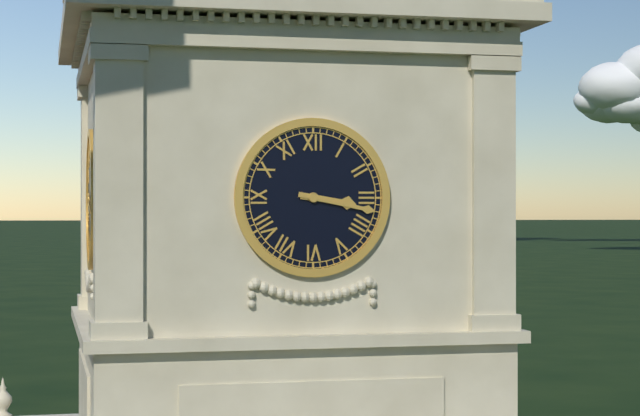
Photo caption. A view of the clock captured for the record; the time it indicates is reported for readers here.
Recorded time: 3:17
